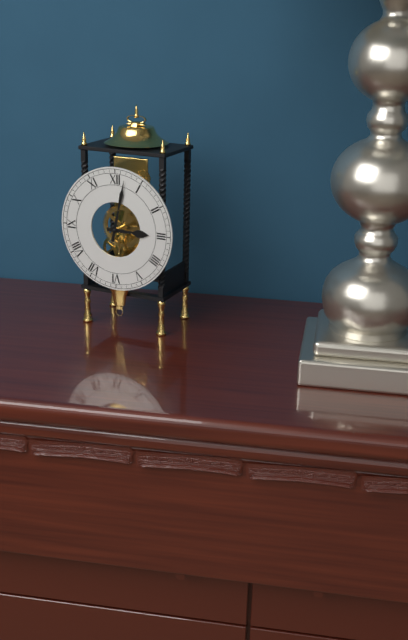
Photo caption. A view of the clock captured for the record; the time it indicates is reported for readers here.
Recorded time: 3:02
